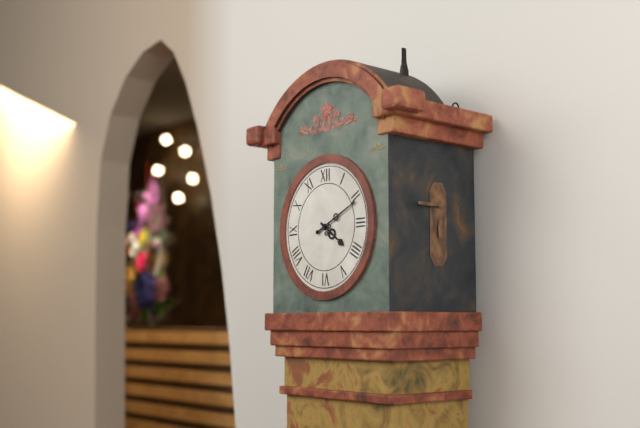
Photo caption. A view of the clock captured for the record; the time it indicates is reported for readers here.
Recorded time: 4:11
